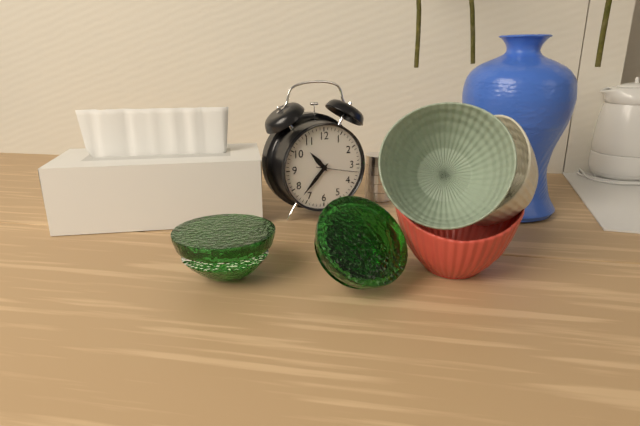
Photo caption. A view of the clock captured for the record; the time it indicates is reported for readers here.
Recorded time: 10:37
